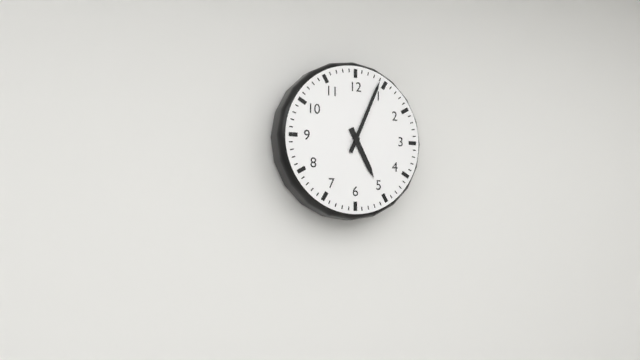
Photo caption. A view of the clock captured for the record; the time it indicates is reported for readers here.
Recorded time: 5:04
